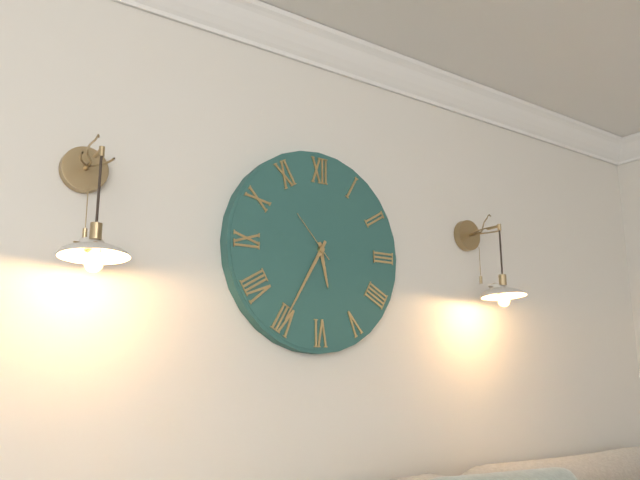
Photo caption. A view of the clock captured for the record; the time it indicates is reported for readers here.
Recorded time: 5:35:53
